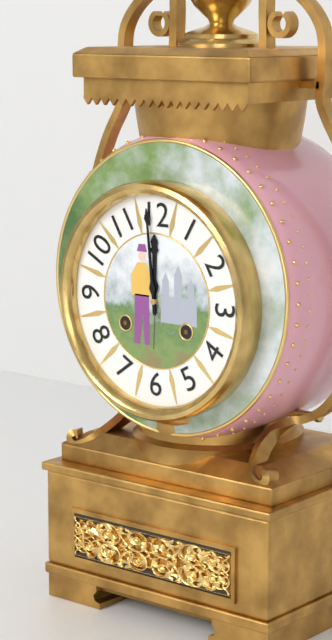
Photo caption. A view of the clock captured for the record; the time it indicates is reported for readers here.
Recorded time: 11:59
